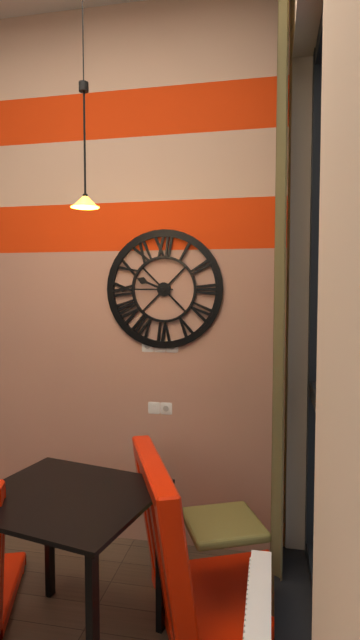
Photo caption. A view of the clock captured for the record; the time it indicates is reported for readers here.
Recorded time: 9:45
